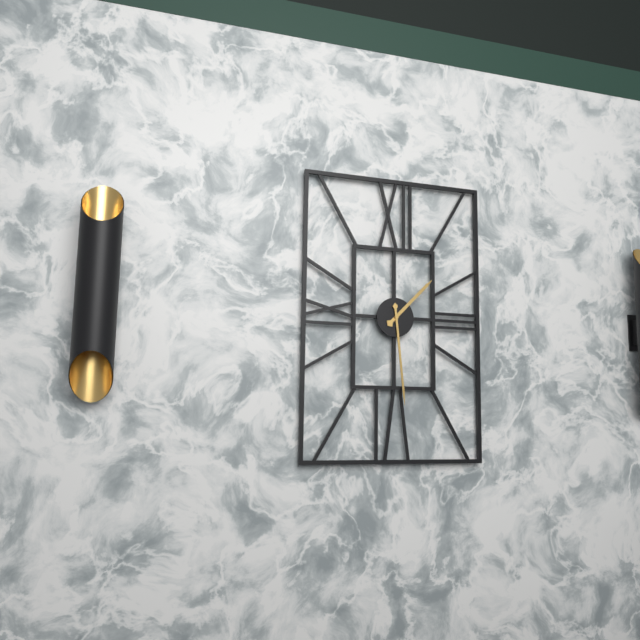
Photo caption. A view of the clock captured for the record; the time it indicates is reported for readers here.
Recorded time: 1:29
